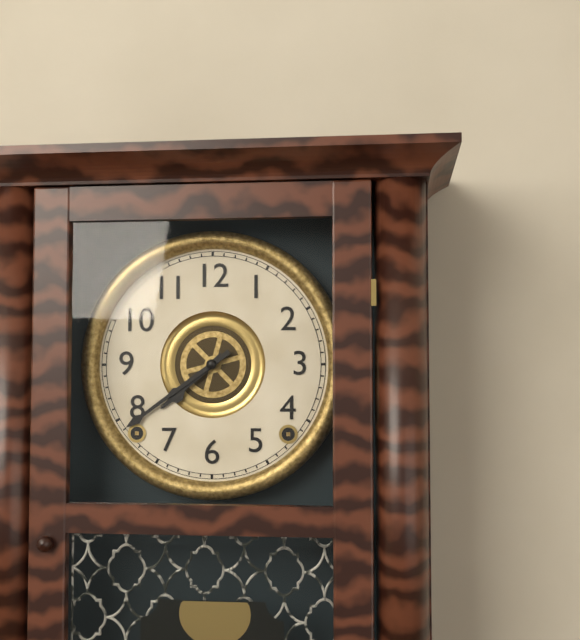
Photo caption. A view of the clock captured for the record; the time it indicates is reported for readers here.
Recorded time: 7:39
